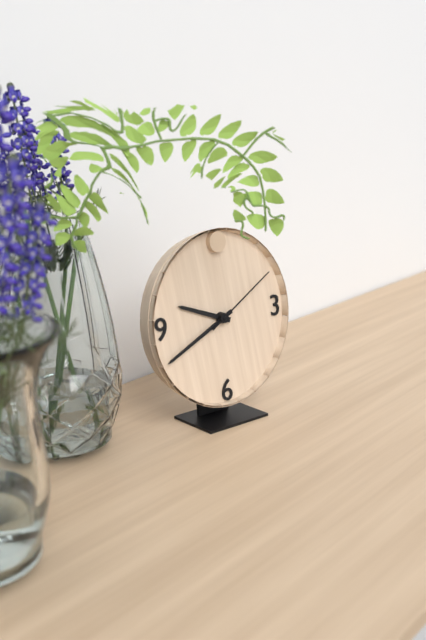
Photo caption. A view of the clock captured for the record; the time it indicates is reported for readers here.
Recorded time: 9:41:10
